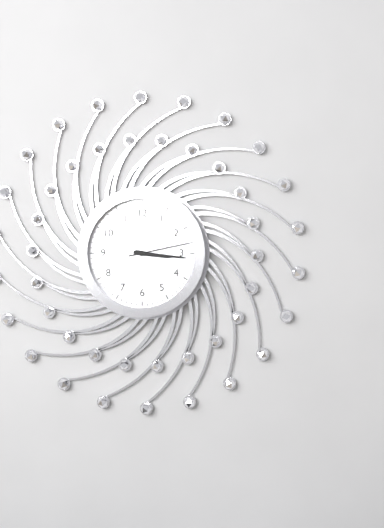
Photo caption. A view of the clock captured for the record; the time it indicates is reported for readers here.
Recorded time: 3:16:13
